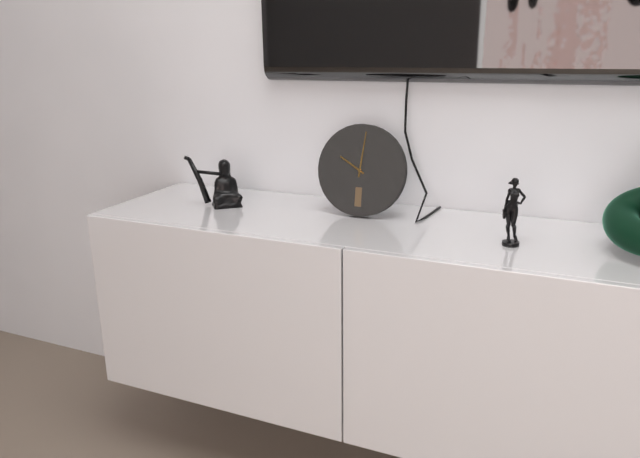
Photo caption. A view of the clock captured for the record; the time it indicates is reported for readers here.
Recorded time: 10:01
